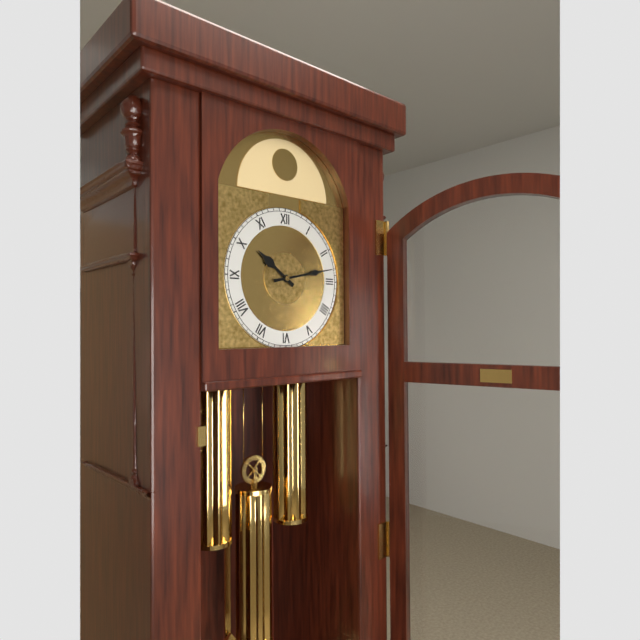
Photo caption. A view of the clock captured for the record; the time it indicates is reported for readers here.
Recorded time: 10:13
